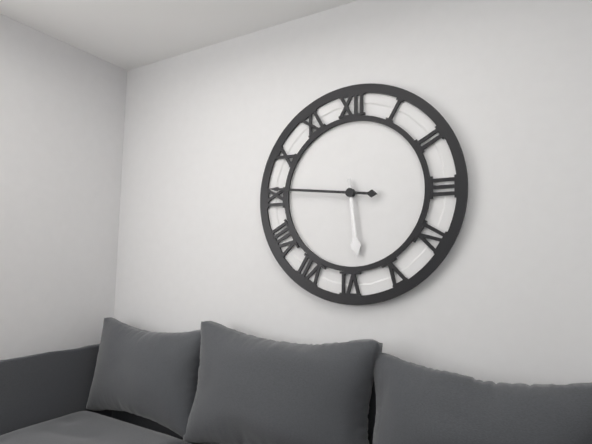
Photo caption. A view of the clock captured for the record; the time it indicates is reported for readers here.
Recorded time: 5:46
